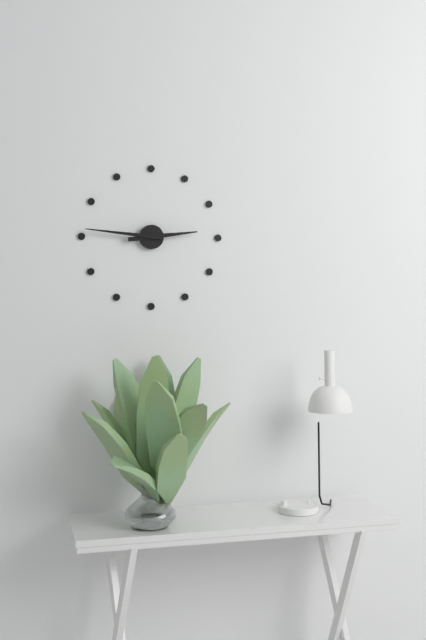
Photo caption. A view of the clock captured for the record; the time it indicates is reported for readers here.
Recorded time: 2:46
